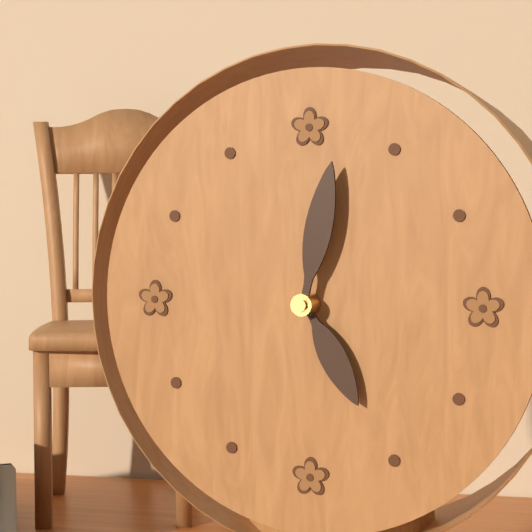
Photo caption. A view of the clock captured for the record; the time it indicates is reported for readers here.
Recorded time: 5:02
